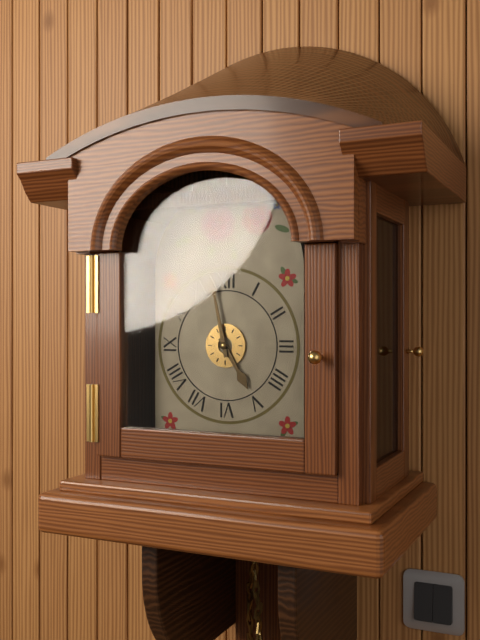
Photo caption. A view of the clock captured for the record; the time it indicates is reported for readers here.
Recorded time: 4:58
